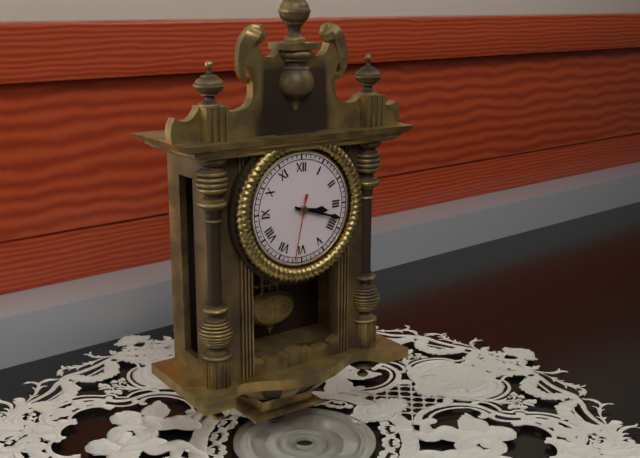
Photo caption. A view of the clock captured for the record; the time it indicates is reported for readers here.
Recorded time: 3:18:32
